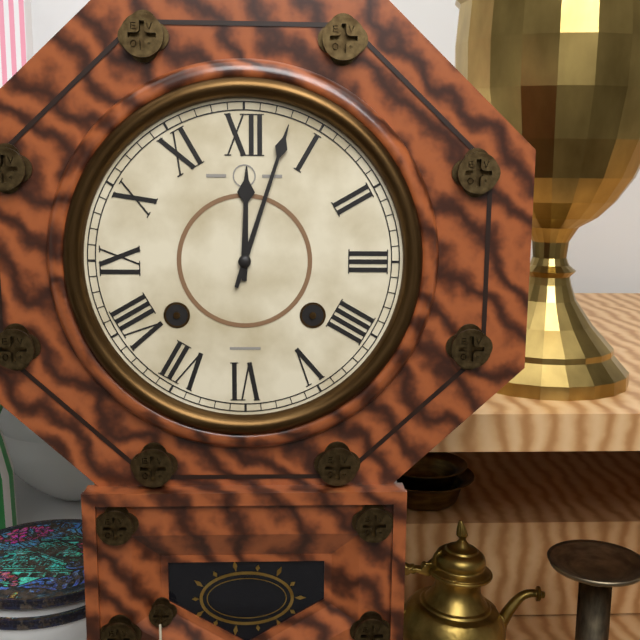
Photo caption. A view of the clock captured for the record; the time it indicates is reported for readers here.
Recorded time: 12:03
